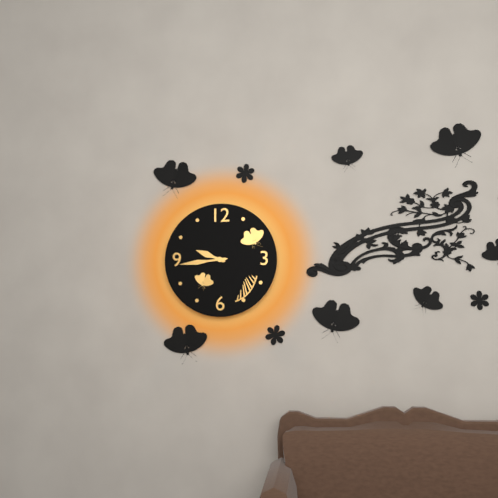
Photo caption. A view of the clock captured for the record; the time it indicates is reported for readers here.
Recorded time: 9:44
